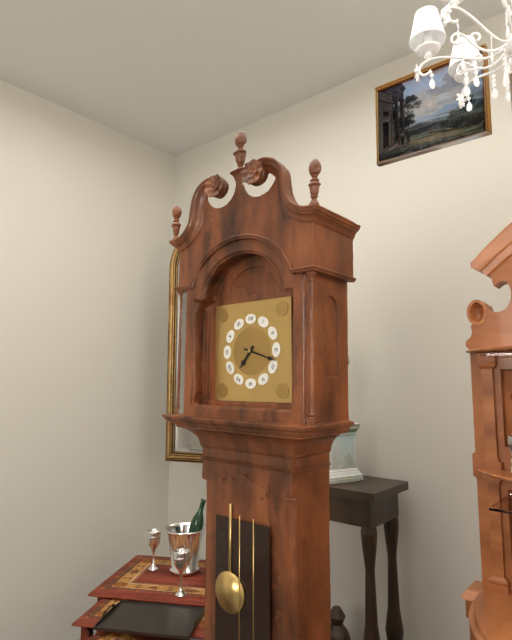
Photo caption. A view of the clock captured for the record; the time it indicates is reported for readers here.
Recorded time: 7:18
